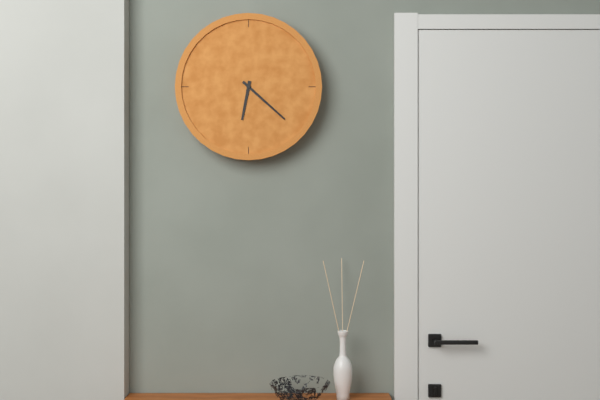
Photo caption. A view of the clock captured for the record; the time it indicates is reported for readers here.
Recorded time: 6:22
